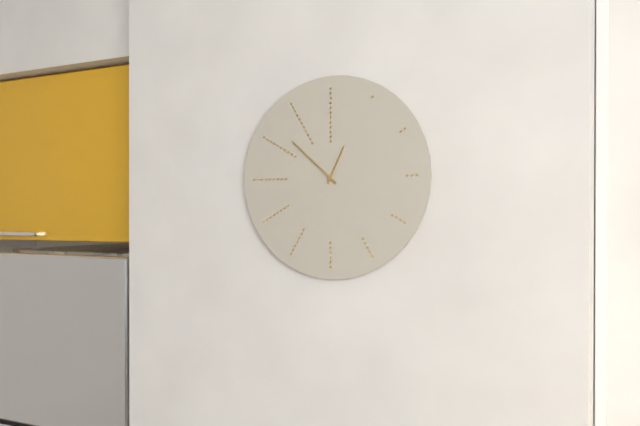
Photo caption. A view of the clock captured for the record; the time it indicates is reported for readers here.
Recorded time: 12:52
